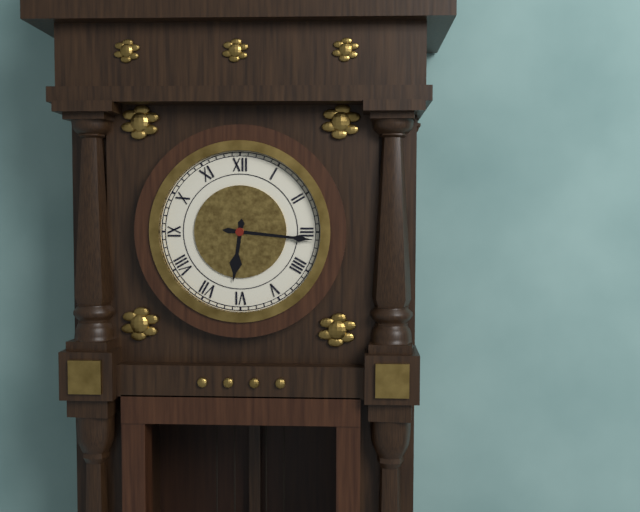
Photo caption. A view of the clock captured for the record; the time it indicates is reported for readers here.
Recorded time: 6:16
